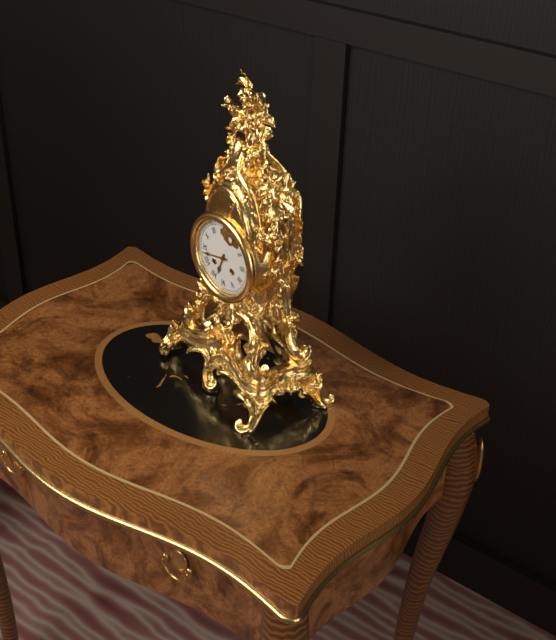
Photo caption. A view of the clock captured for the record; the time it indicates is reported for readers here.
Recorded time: 6:43
